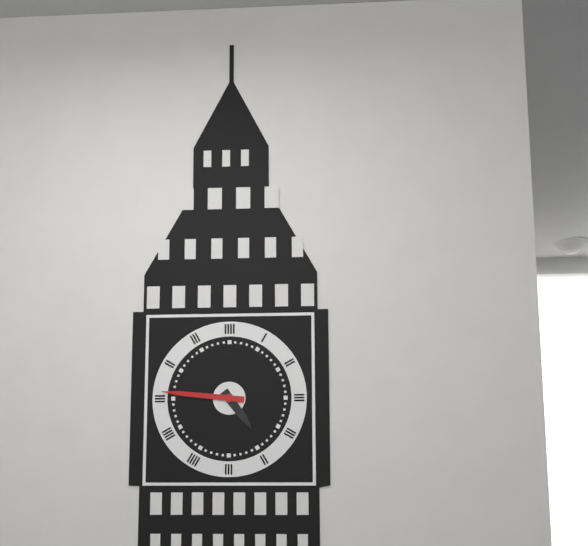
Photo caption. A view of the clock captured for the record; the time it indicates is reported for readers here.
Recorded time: 4:46
